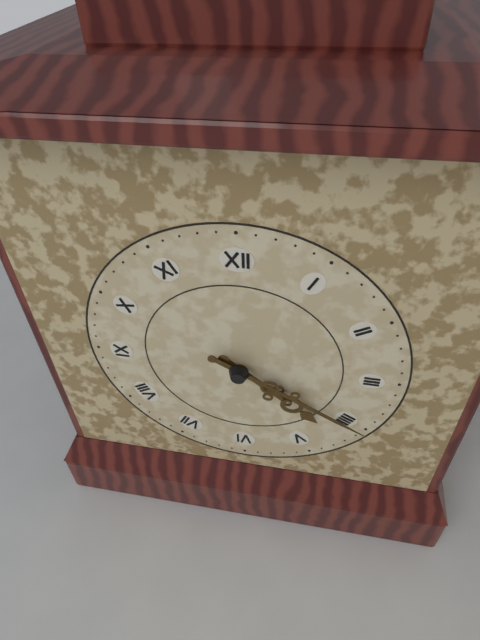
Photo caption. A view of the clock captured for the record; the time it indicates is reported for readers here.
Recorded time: 4:20
